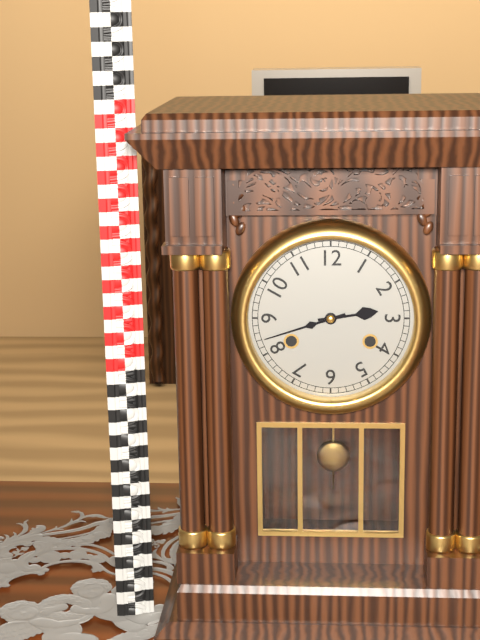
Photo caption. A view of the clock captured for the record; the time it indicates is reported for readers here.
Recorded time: 2:42
